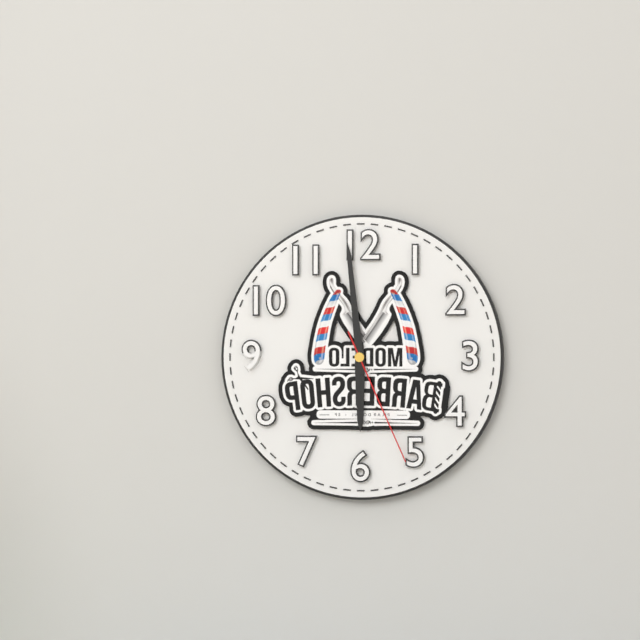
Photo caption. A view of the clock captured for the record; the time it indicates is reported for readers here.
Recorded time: 5:59:26
